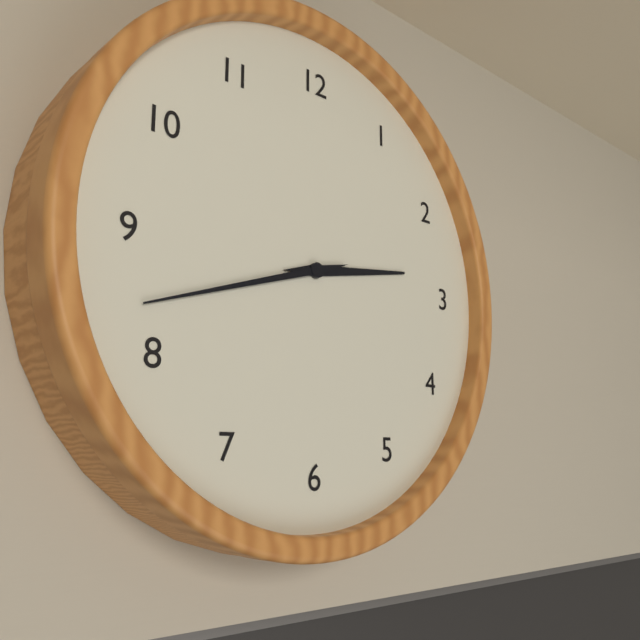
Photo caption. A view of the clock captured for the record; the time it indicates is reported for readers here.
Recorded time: 2:42
